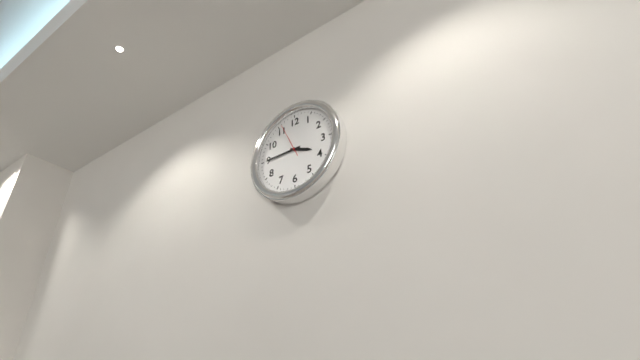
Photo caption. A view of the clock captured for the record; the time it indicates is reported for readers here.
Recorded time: 3:45
